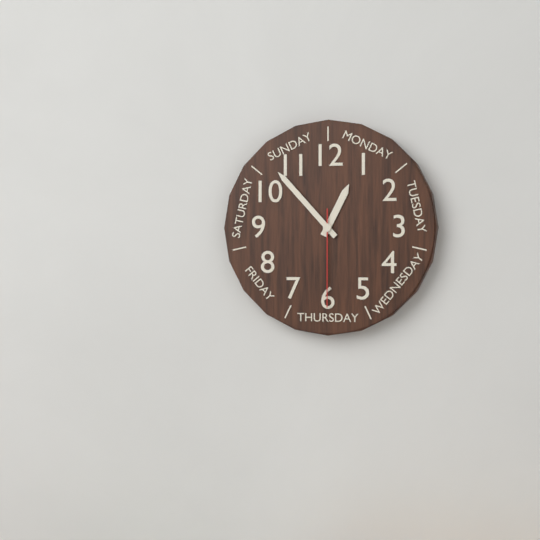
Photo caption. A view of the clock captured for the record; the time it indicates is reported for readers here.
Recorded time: 12:53:30
